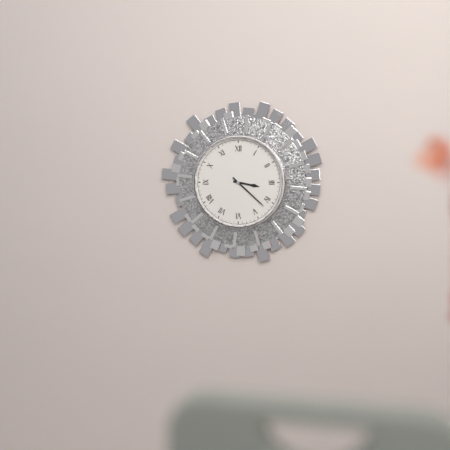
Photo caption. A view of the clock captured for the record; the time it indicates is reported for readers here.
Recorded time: 3:22
